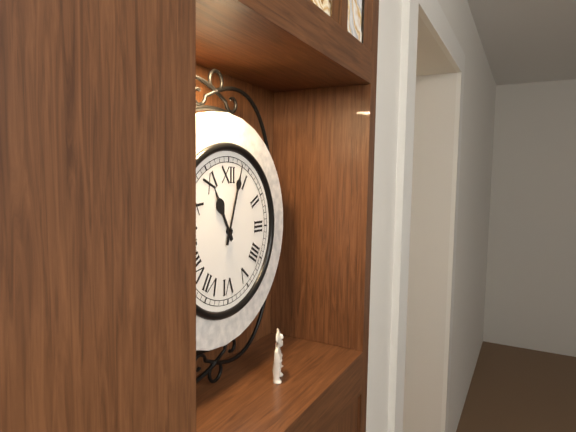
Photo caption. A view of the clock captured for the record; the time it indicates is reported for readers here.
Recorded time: 11:03
